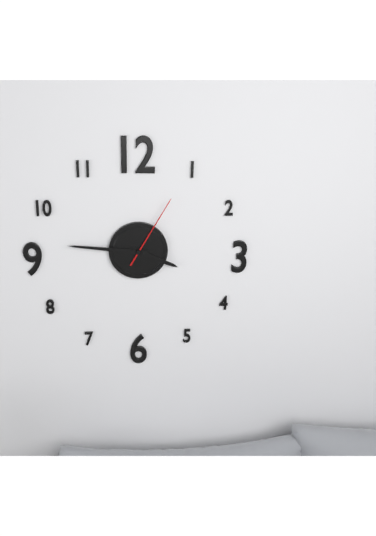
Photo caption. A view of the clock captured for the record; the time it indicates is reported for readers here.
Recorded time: 3:46:05
